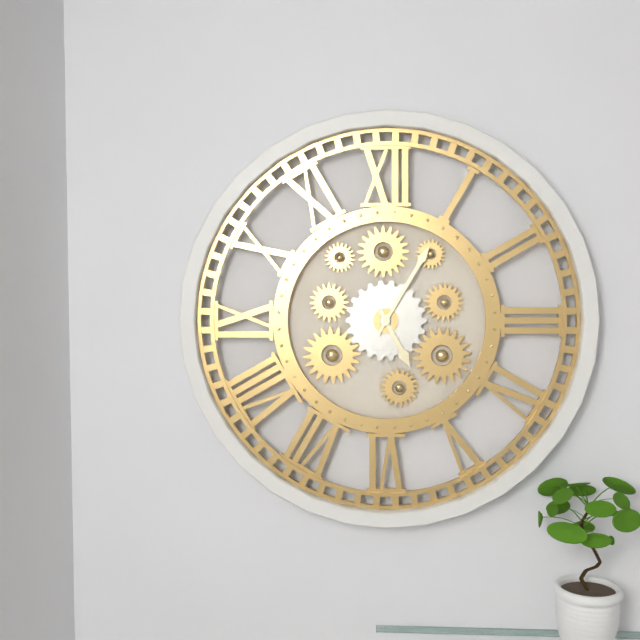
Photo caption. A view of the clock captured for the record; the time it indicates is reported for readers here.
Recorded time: 5:05
